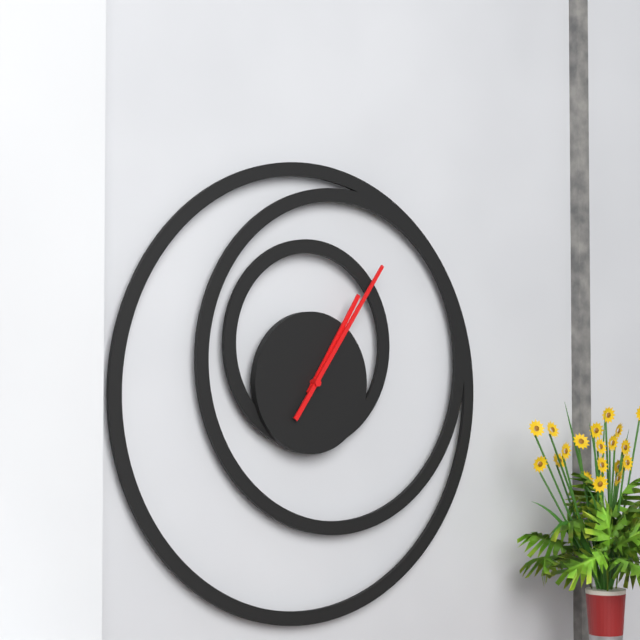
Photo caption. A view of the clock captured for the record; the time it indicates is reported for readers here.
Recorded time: 1:06
